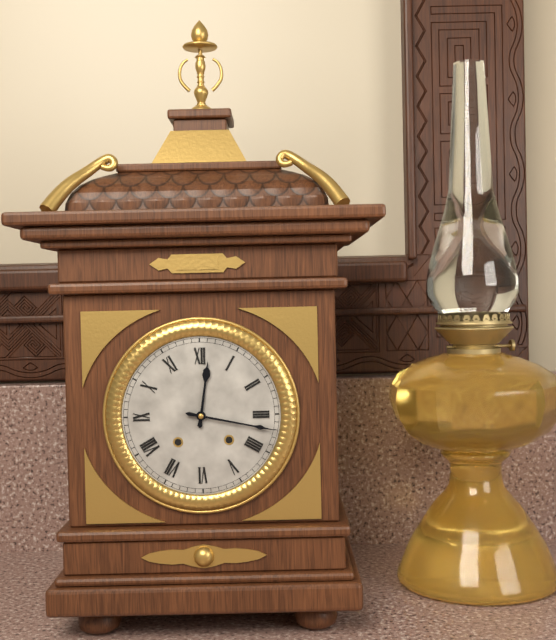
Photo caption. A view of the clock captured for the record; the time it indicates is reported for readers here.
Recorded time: 12:17
